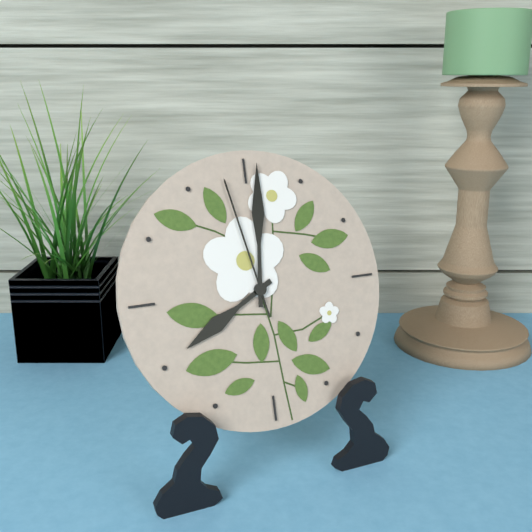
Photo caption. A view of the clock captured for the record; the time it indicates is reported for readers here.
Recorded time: 8:01:58
